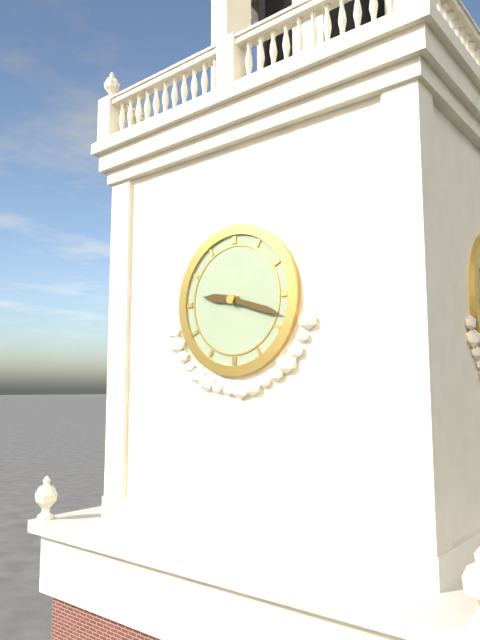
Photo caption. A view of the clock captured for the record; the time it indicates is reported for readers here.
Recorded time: 9:18
